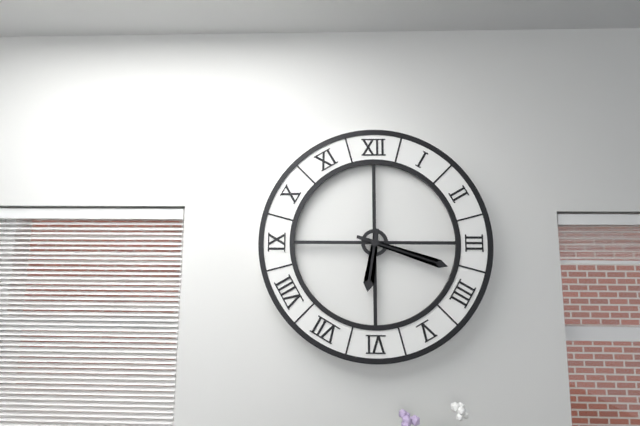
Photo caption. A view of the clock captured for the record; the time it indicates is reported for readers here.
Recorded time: 6:18
